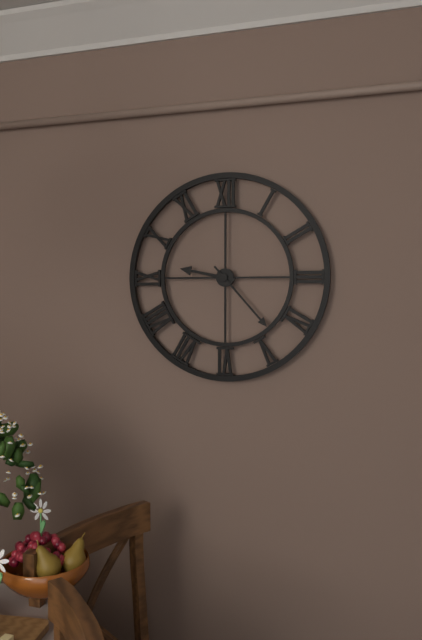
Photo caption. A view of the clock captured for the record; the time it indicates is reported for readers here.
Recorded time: 9:23
